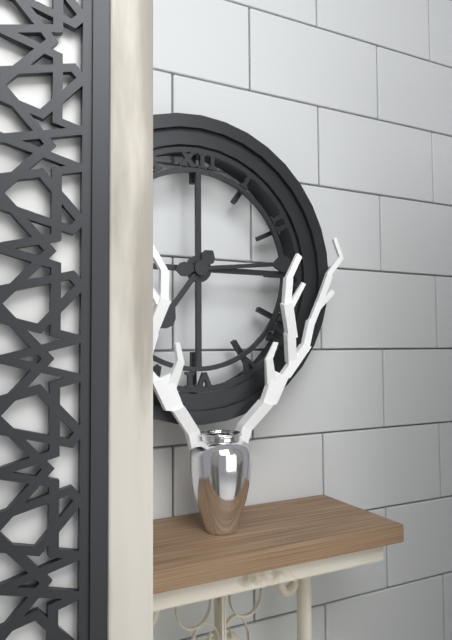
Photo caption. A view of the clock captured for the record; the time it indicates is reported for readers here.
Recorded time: 7:14
